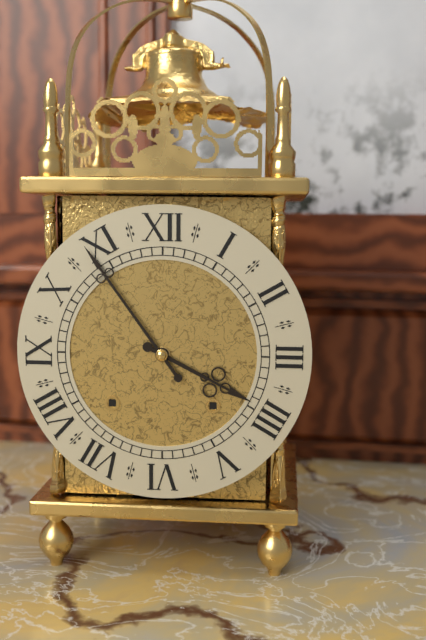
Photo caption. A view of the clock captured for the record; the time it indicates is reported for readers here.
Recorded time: 3:54
